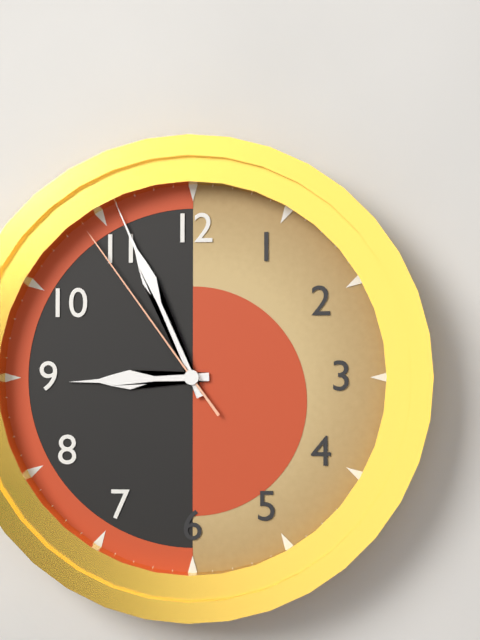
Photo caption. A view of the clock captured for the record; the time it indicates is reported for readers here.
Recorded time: 8:56:54
